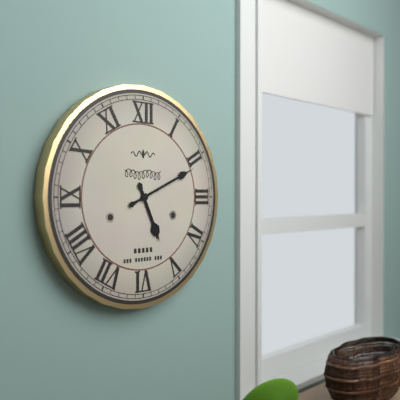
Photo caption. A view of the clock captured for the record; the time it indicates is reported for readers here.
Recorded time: 5:11
